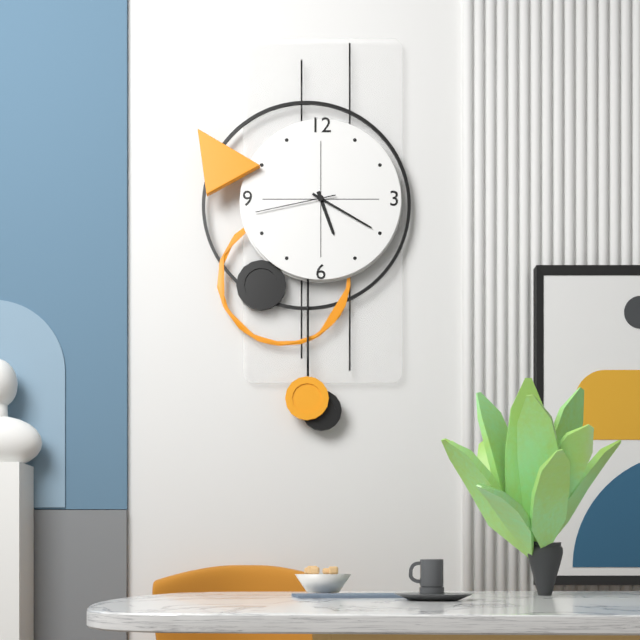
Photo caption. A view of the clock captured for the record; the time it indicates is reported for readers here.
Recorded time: 5:20:43
